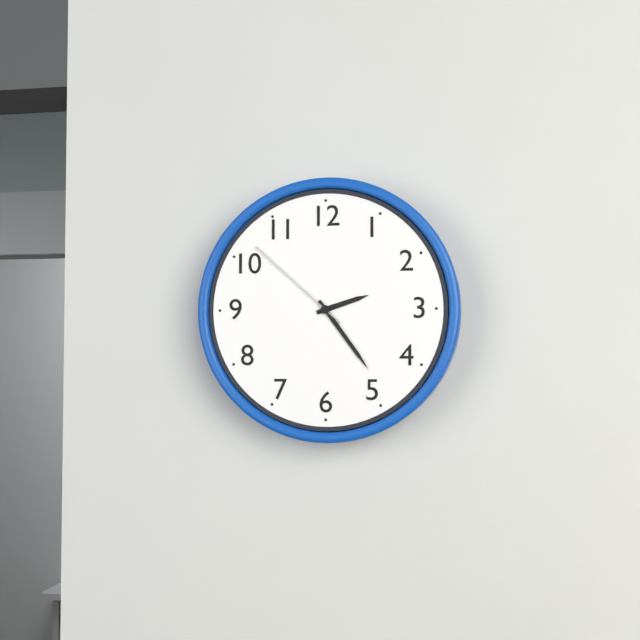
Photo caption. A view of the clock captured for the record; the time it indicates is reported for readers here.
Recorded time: 2:24:52
